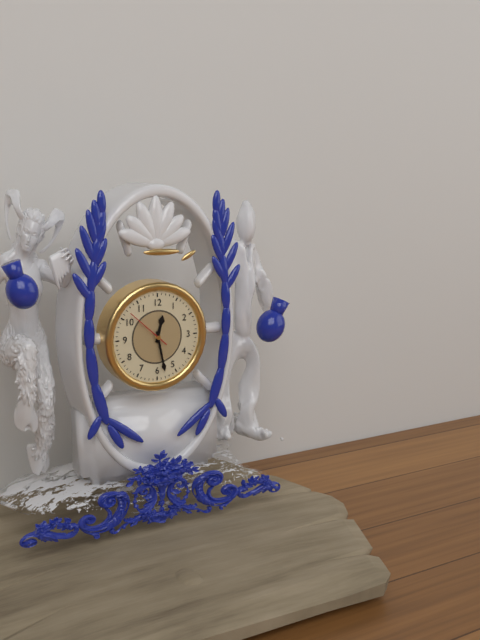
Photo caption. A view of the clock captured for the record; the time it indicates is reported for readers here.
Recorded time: 12:28
